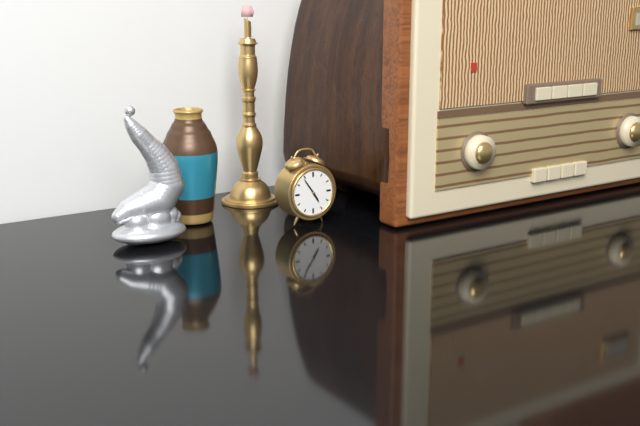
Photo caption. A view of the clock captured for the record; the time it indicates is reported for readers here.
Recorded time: 4:54
